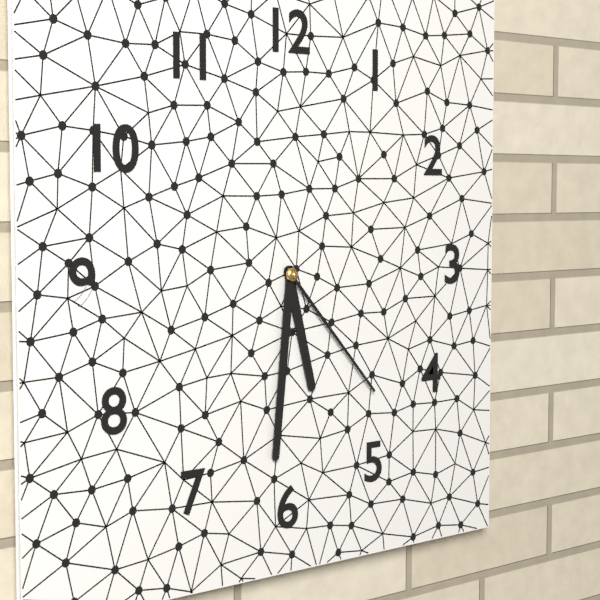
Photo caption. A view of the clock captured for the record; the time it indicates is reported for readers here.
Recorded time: 5:31:23
